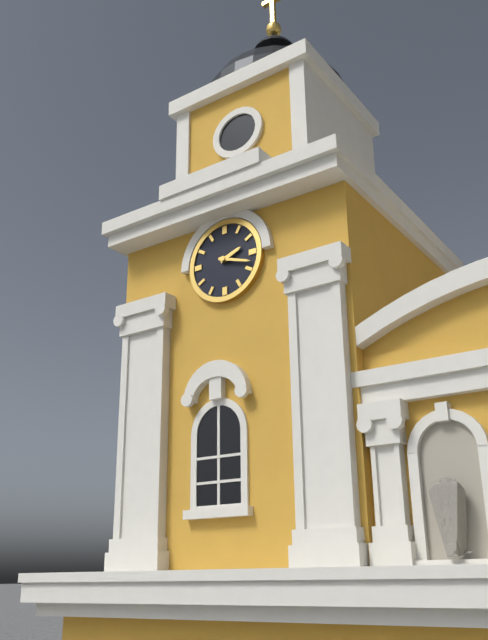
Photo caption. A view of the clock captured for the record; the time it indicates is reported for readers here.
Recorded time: 2:18
